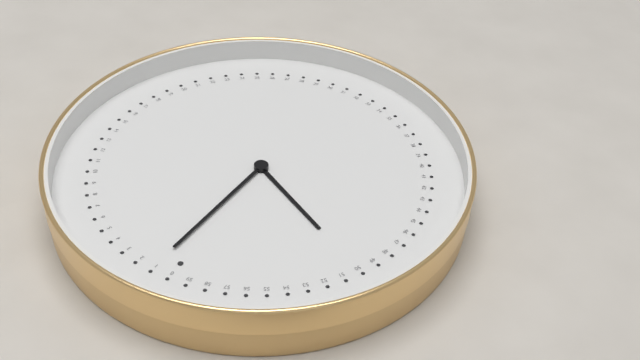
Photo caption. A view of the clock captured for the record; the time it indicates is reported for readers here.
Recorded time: 10:01
